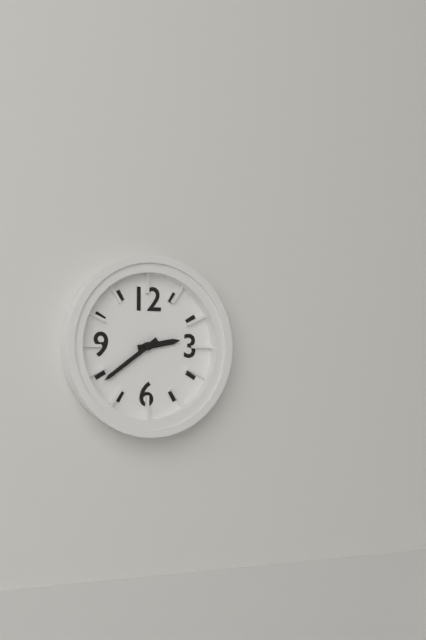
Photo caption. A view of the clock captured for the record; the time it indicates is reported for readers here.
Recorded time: 2:39
